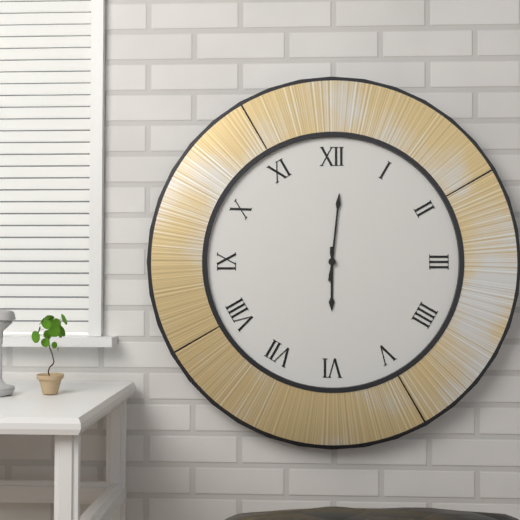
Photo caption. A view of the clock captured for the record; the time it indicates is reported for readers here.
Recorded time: 6:01
